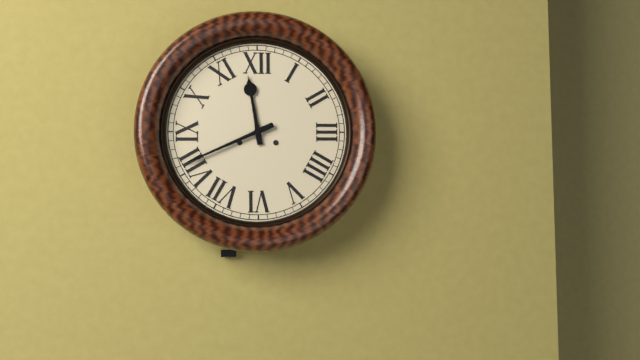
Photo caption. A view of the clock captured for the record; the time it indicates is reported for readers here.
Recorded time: 11:41
